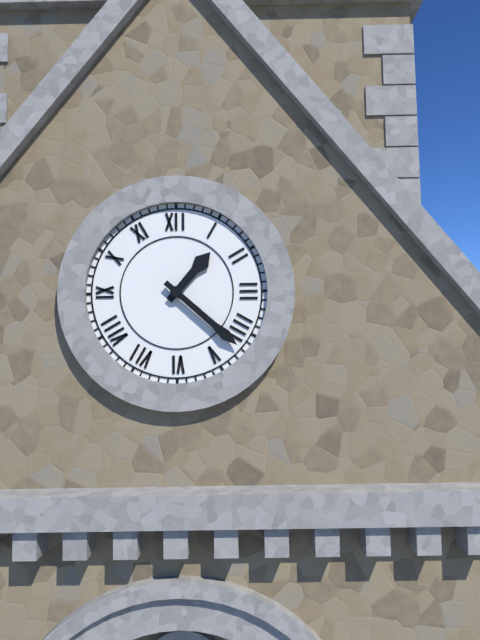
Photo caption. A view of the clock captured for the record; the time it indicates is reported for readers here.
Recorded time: 1:22
